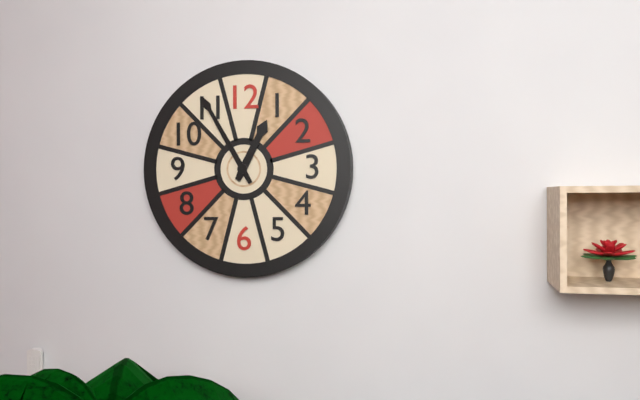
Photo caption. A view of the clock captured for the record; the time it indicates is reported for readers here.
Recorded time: 12:55
